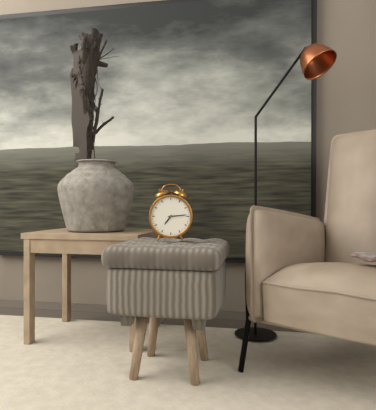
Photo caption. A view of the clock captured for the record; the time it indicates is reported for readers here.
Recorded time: 7:14
